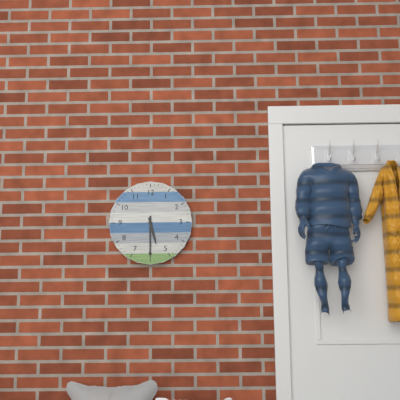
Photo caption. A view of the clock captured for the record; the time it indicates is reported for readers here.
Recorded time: 5:30
